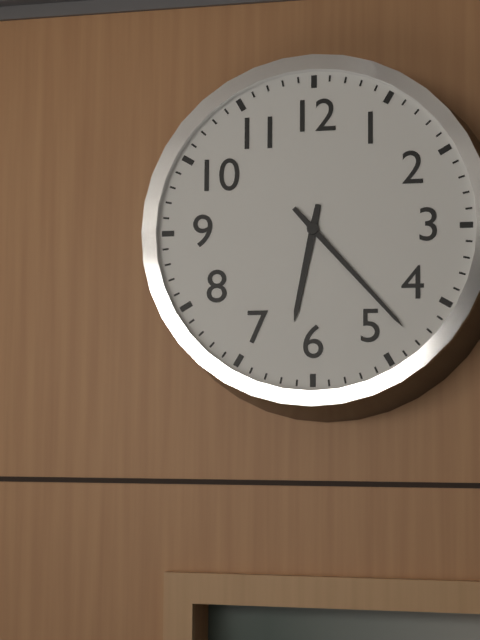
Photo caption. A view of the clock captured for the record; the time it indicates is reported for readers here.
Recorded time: 6:23
